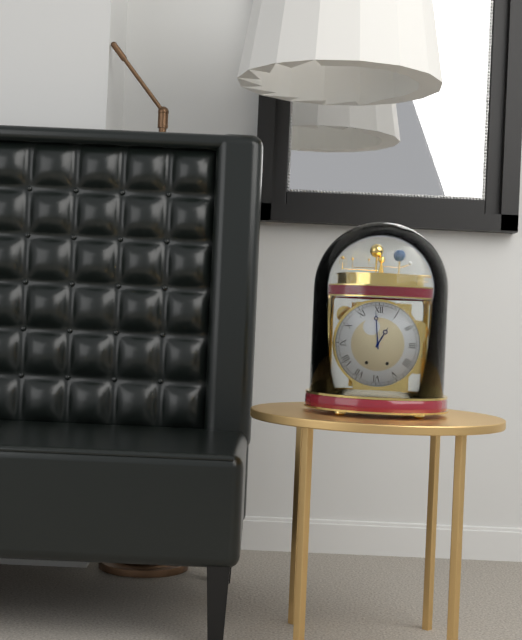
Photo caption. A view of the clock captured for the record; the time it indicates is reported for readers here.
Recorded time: 12:59
